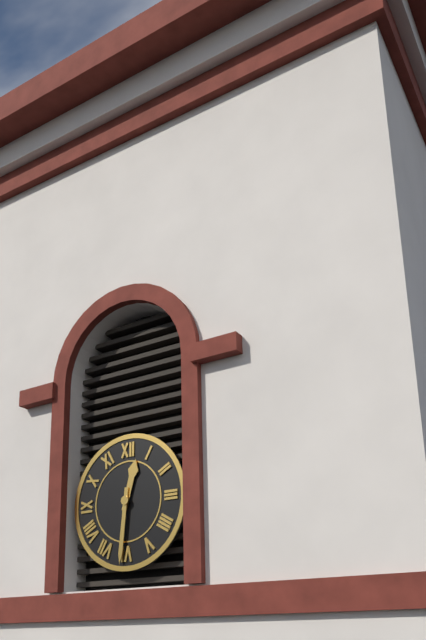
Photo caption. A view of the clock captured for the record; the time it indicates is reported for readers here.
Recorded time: 12:31
